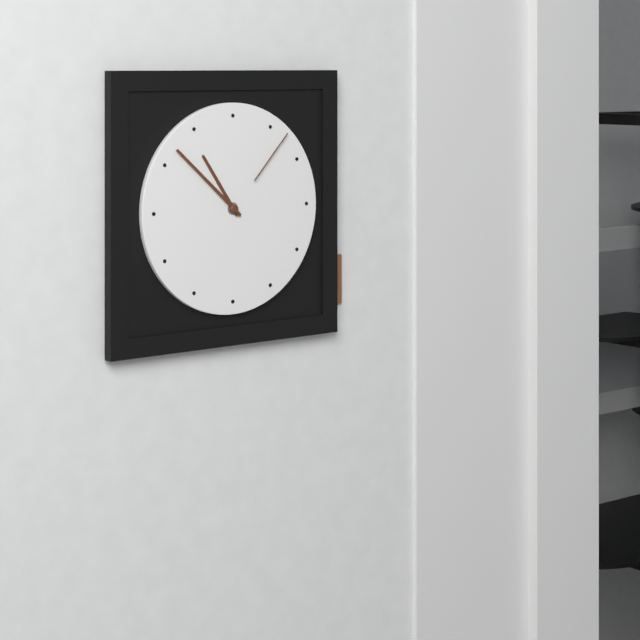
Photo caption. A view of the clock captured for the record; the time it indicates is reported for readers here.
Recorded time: 10:52:07
